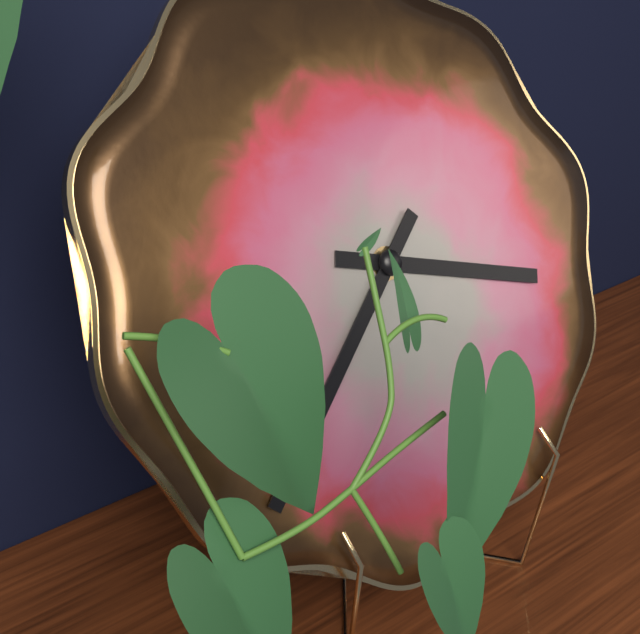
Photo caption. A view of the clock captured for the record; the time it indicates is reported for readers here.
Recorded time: 3:38
